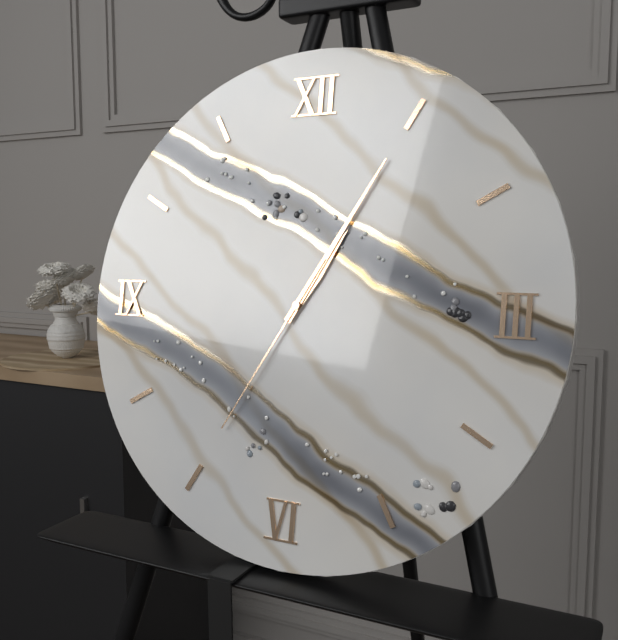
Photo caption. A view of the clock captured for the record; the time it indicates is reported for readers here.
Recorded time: 1:05:35
